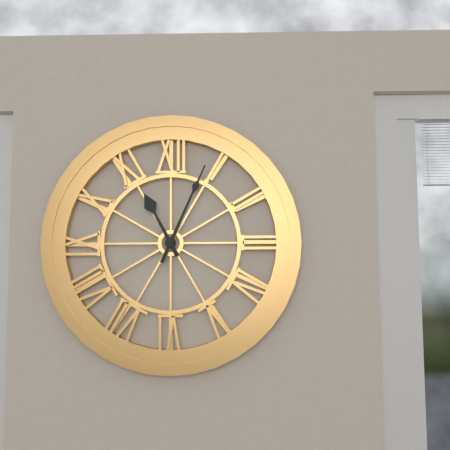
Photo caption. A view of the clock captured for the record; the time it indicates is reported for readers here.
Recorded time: 11:04
